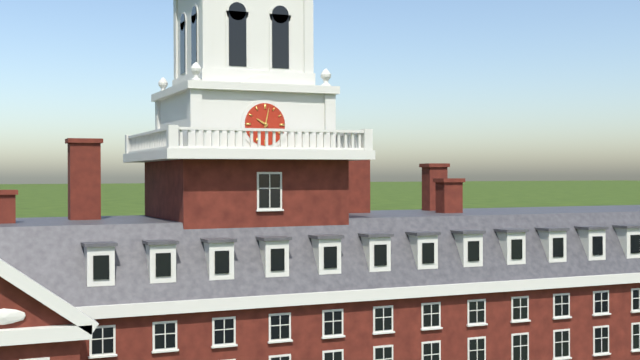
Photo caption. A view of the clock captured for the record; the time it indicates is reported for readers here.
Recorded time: 10:02
